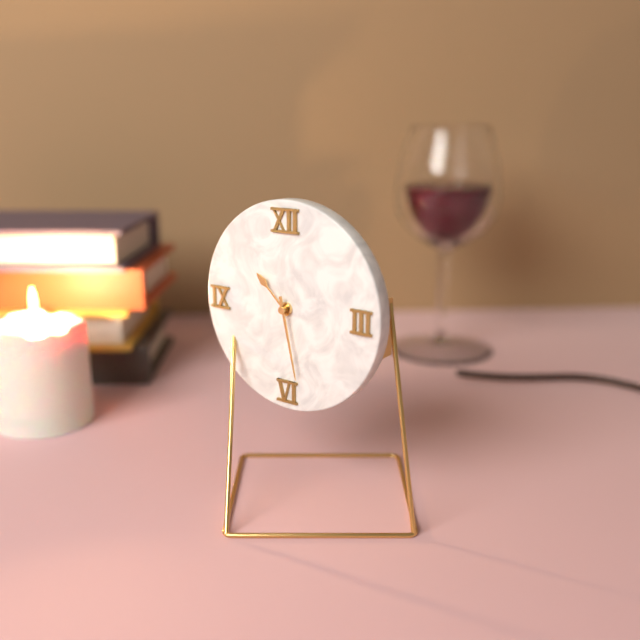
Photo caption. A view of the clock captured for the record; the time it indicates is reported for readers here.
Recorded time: 10:28
